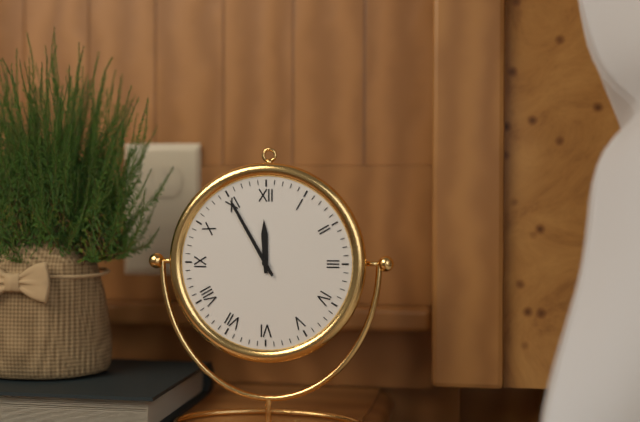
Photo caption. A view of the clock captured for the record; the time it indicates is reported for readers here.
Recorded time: 11:55
